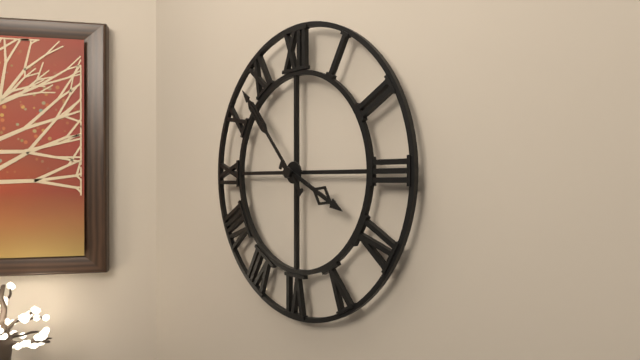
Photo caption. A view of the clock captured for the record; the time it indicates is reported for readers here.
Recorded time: 3:53
